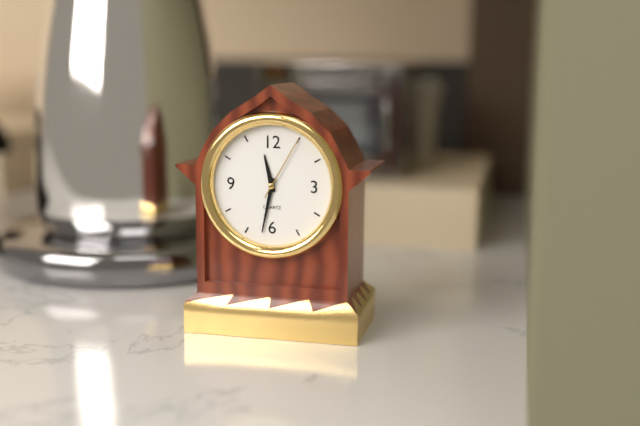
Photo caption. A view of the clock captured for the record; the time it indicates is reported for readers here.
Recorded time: 11:32:05
